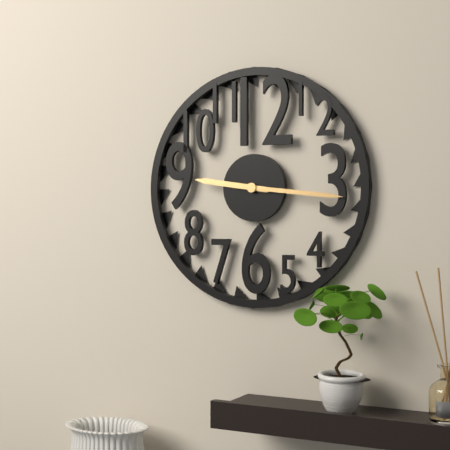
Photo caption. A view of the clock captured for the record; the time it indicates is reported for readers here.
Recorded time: 9:16
